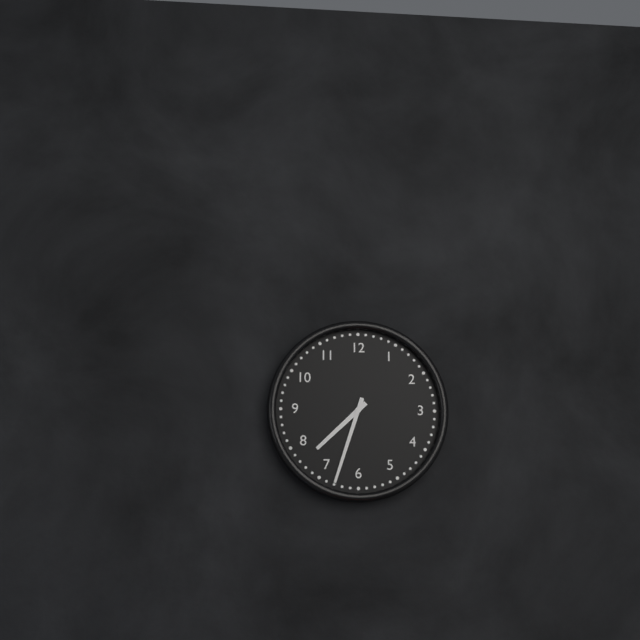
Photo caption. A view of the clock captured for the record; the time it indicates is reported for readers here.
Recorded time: 7:33
